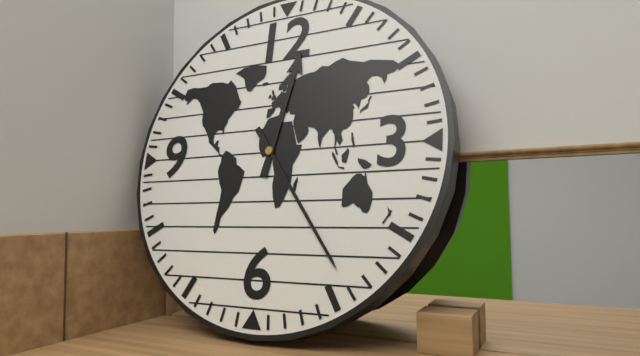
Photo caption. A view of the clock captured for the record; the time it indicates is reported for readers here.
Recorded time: 12:24
